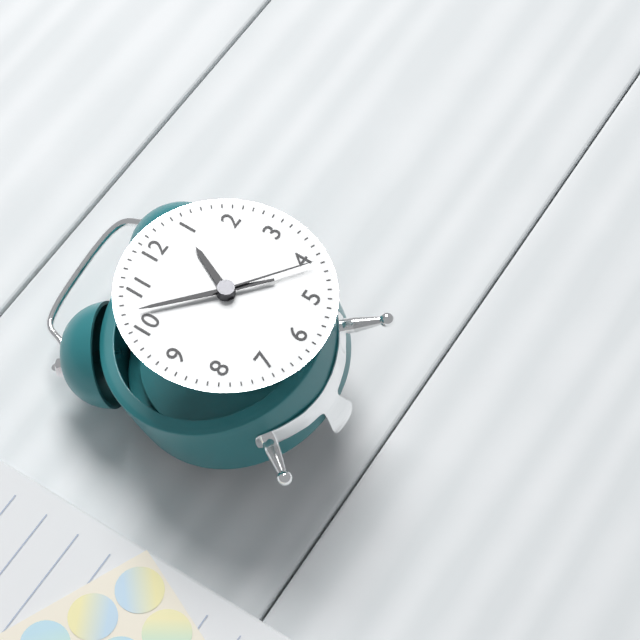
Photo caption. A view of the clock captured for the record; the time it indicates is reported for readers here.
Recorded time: 12:52:21
